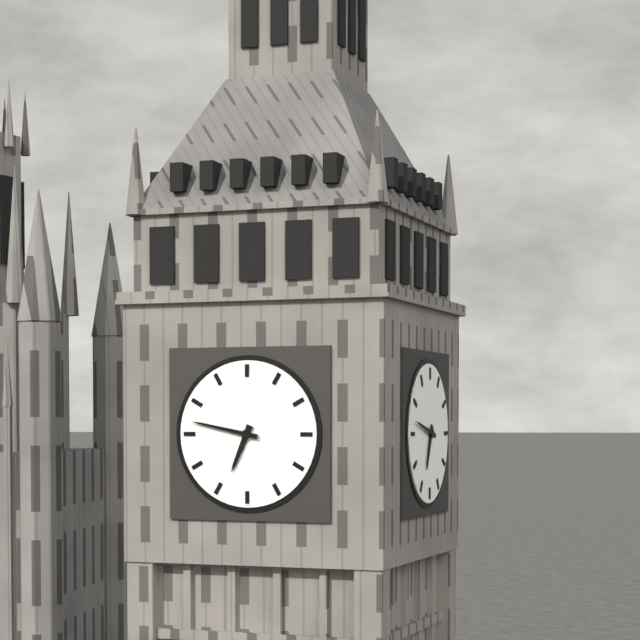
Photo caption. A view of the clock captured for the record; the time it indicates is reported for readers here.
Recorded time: 6:47
